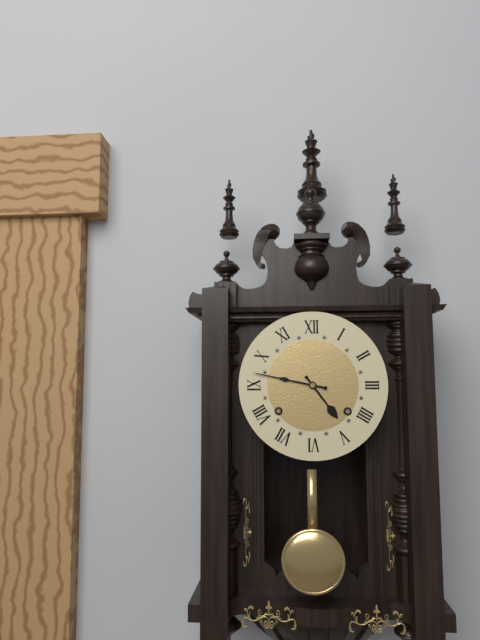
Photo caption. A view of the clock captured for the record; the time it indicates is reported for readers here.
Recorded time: 4:47
